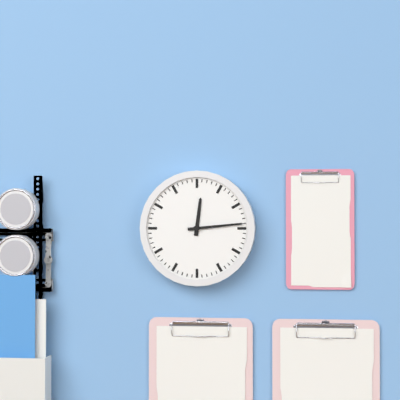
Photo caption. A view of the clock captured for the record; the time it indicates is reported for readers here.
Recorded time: 12:14
